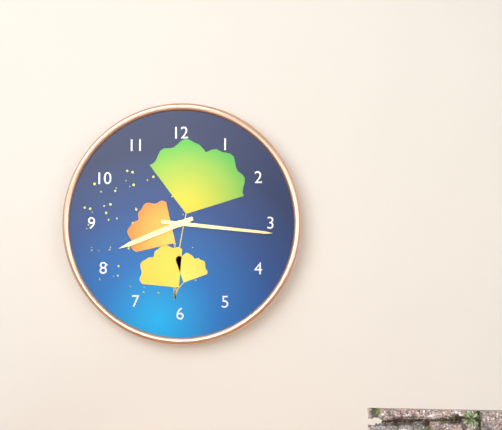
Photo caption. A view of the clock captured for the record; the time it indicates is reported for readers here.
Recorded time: 8:16
